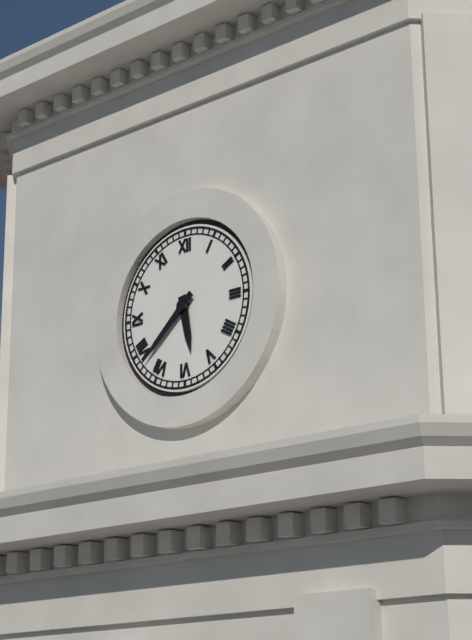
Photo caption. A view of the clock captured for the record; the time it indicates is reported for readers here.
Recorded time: 5:38
